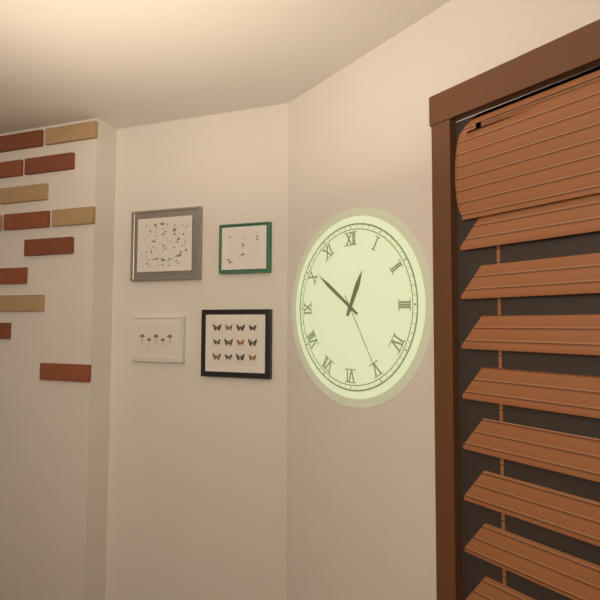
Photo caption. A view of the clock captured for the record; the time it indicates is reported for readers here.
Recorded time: 12:51:25
